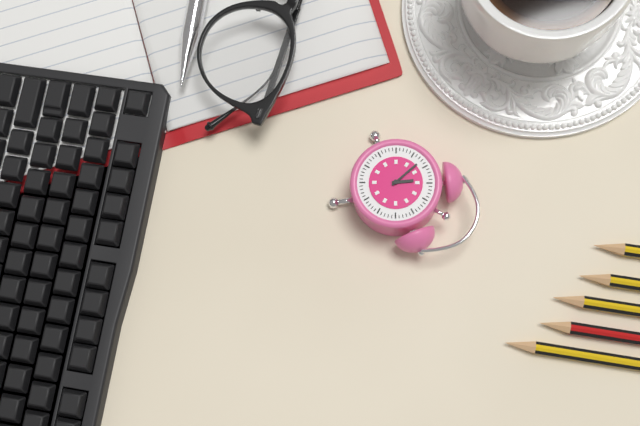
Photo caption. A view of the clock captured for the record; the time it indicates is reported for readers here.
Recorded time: 10:48
